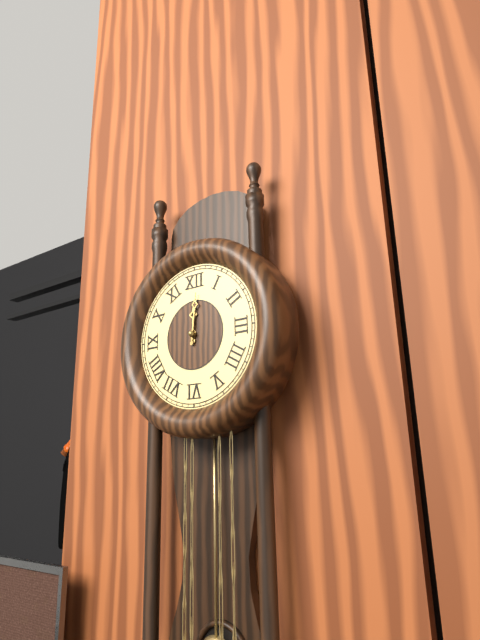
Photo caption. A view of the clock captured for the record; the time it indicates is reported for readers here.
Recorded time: 12:01
